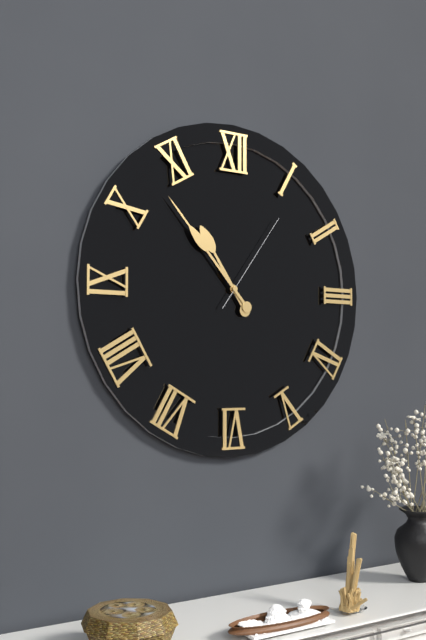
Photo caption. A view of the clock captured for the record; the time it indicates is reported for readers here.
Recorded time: 10:53:06
